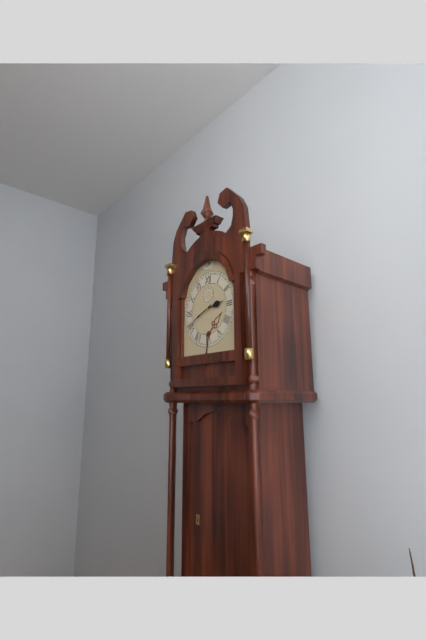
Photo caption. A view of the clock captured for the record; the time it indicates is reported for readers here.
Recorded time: 2:41
